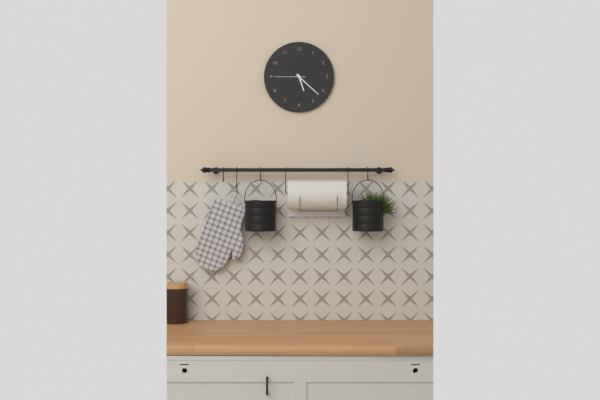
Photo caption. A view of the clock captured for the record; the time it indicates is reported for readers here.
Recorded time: 5:22
